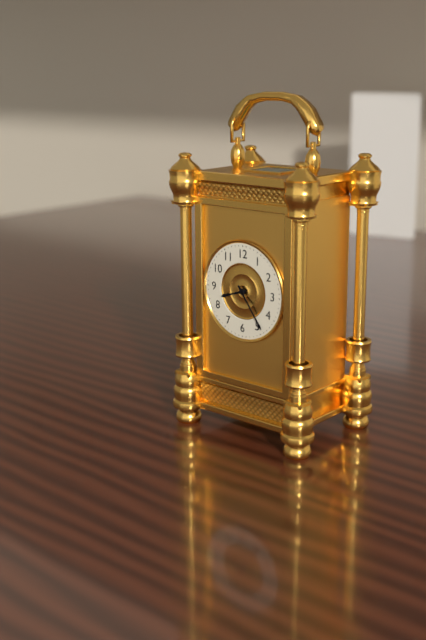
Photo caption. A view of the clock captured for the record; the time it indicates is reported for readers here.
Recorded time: 8:24
